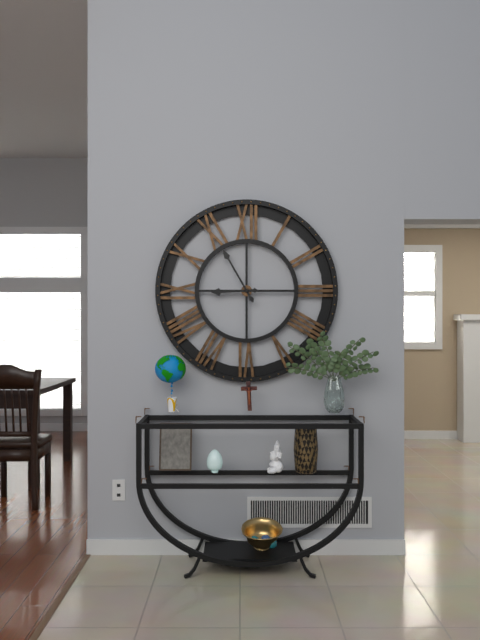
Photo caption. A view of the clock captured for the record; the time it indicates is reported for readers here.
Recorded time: 8:55
